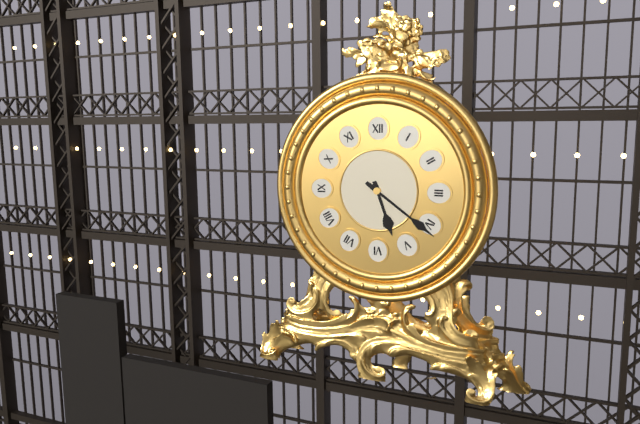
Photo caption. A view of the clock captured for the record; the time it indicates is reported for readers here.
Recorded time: 5:21
